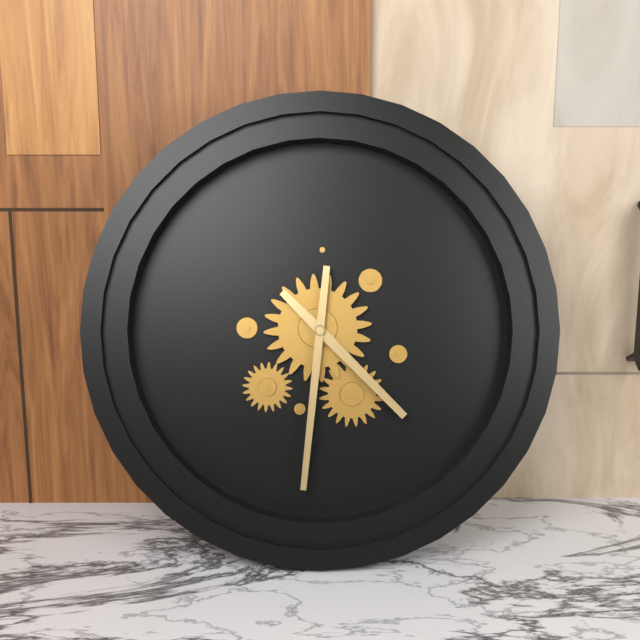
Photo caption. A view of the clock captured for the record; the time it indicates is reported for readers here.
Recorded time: 4:31
